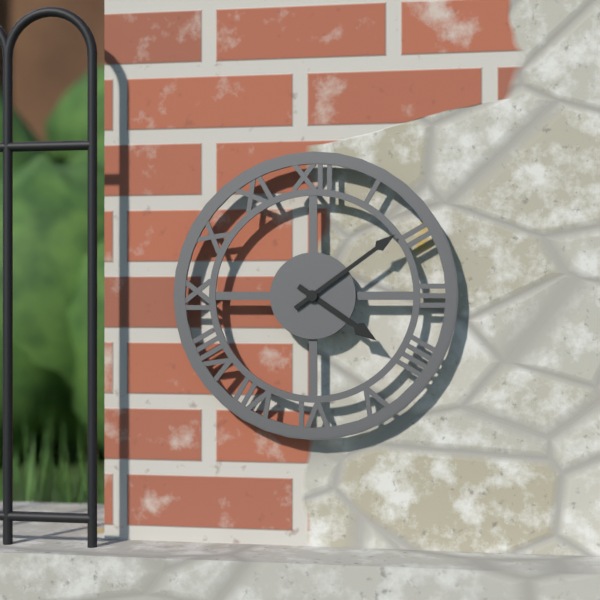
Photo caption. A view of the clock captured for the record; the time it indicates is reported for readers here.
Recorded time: 4:09
